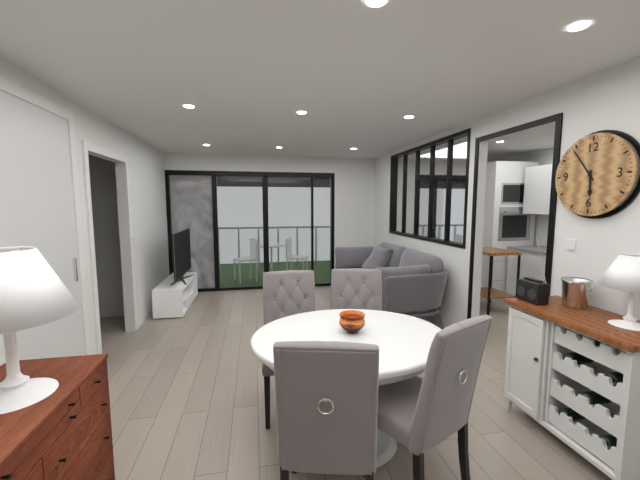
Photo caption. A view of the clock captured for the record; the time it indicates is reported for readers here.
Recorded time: 5:54
